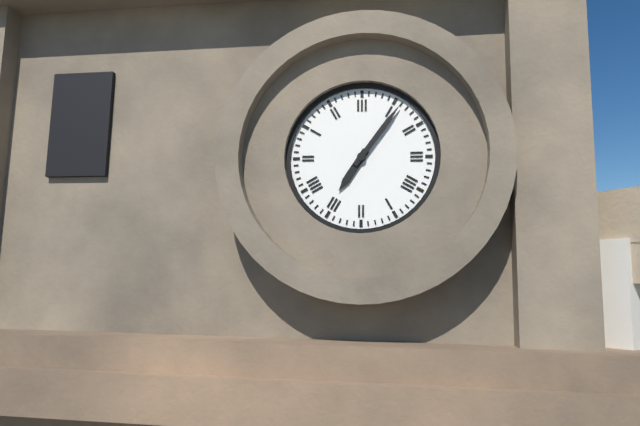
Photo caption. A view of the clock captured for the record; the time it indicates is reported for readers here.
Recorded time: 7:06
